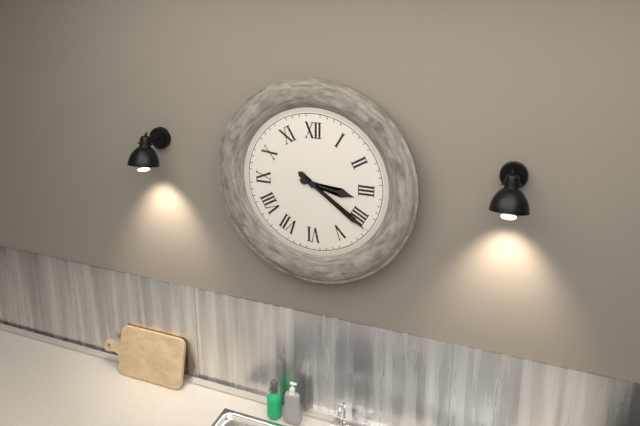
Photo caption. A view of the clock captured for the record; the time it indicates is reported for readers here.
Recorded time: 3:21
